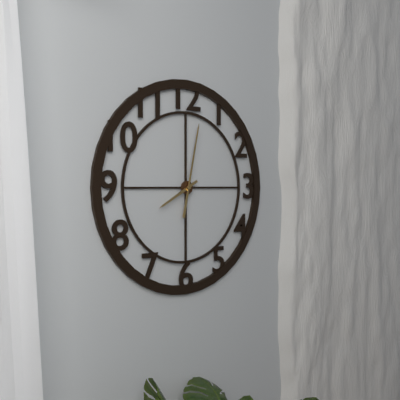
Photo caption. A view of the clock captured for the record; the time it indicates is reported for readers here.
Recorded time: 8:02
